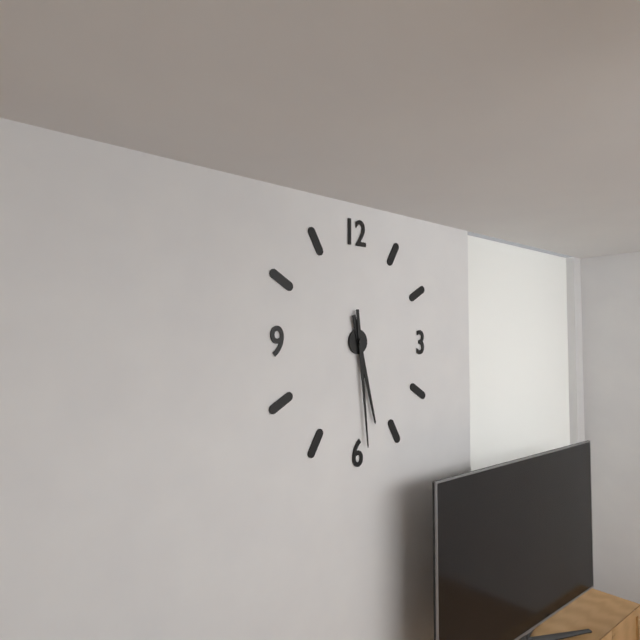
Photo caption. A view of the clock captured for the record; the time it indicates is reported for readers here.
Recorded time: 5:29
